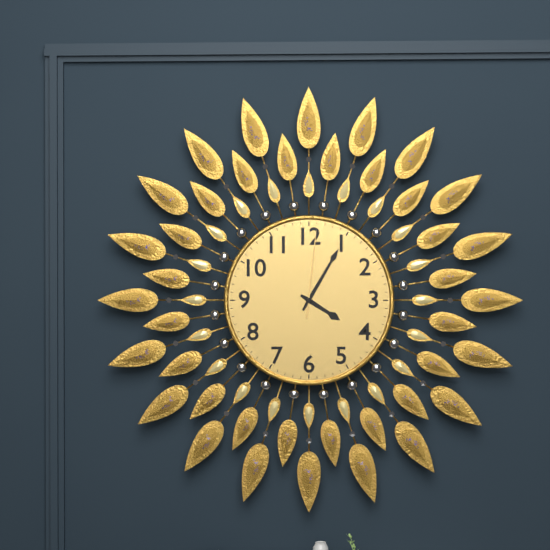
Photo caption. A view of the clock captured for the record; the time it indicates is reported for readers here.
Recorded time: 4:05:01
